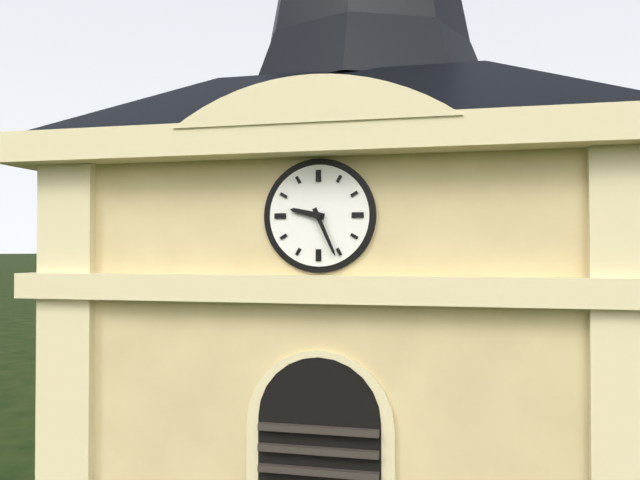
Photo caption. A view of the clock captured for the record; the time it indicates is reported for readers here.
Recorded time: 9:26
